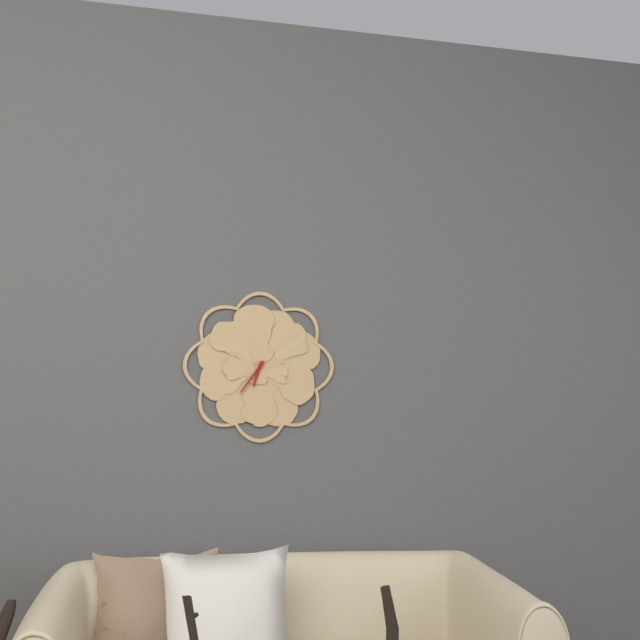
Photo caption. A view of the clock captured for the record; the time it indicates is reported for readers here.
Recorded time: 6:36
